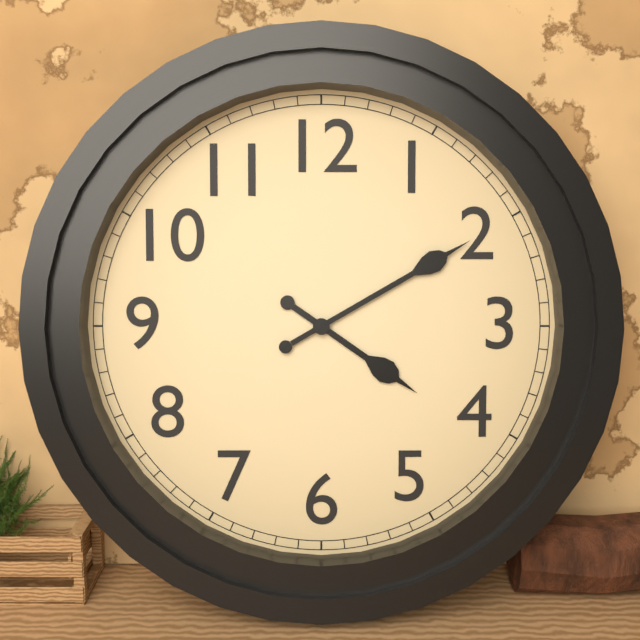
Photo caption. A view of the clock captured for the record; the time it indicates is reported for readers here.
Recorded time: 4:10
